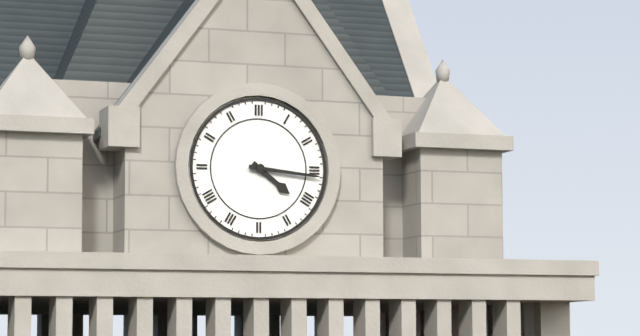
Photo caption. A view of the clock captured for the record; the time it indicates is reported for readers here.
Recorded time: 4:16
